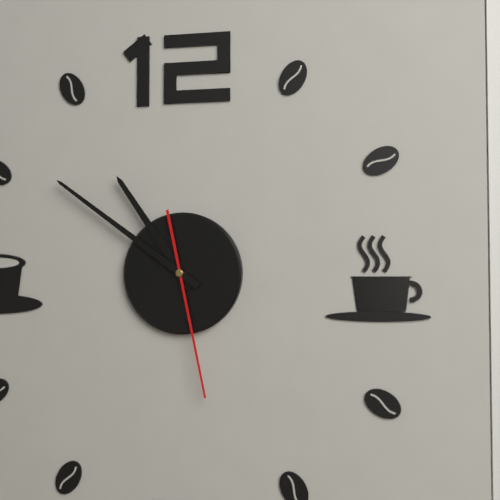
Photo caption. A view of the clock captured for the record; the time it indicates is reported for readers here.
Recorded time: 10:51:28
